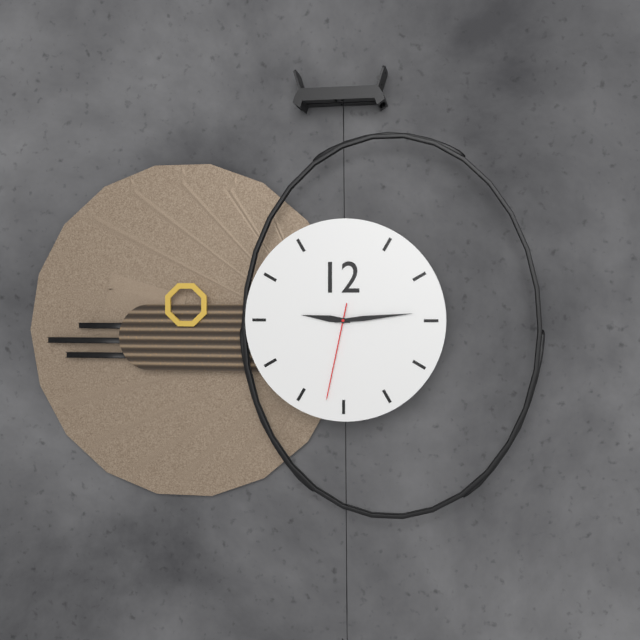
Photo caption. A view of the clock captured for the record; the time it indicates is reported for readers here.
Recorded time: 9:14:32
